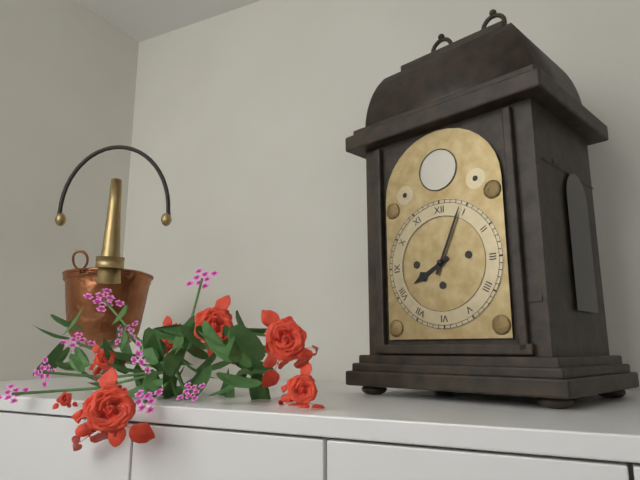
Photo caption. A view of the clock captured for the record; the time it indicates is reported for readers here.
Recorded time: 8:04
